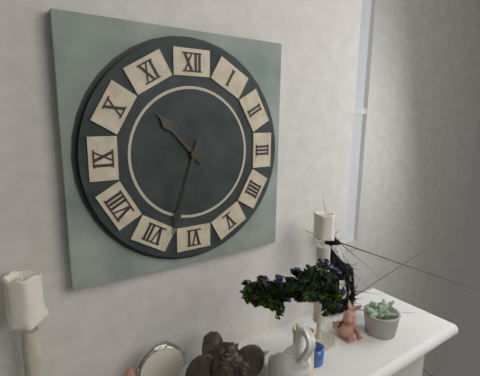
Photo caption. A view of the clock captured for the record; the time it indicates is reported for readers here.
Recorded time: 10:33
